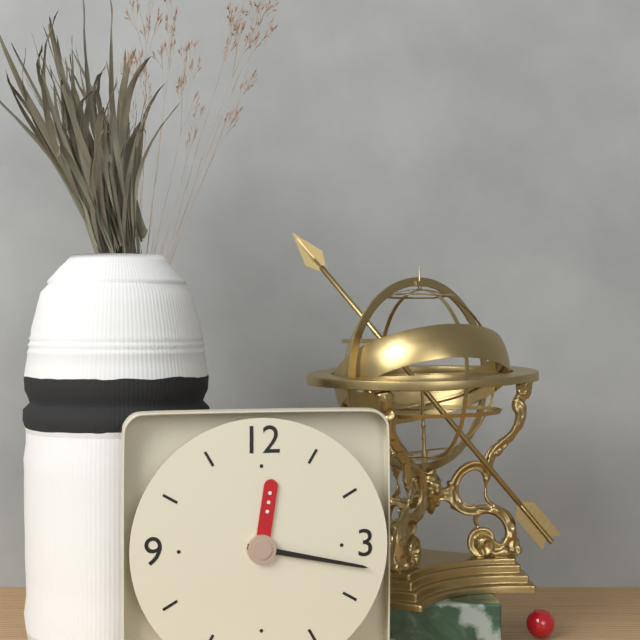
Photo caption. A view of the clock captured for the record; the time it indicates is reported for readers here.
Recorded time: 12:17
